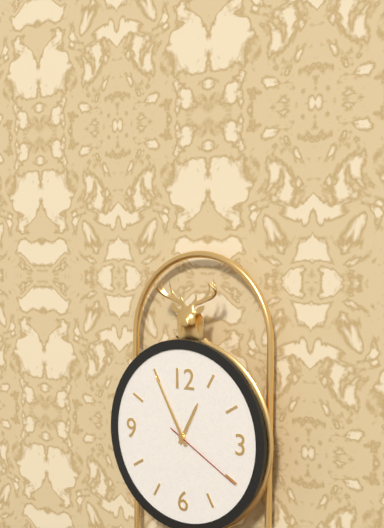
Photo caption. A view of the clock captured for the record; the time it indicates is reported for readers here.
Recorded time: 12:55:20
